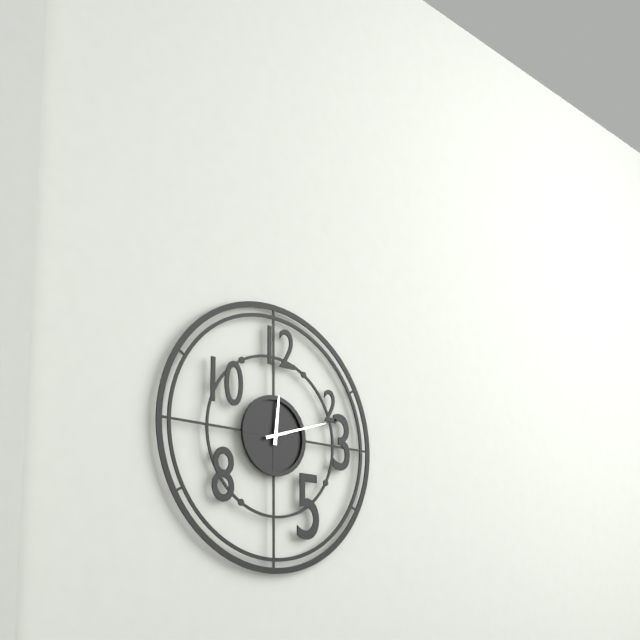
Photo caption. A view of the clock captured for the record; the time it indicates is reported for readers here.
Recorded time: 12:12
